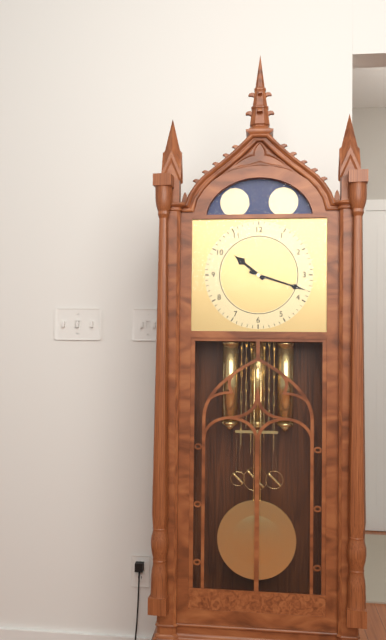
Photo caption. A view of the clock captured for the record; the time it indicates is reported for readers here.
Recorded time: 10:18
